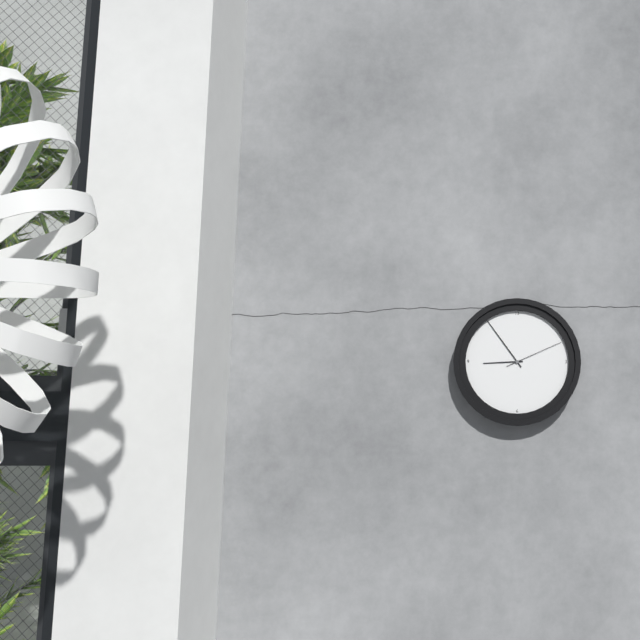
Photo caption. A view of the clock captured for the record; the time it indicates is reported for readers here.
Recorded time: 8:54:11
